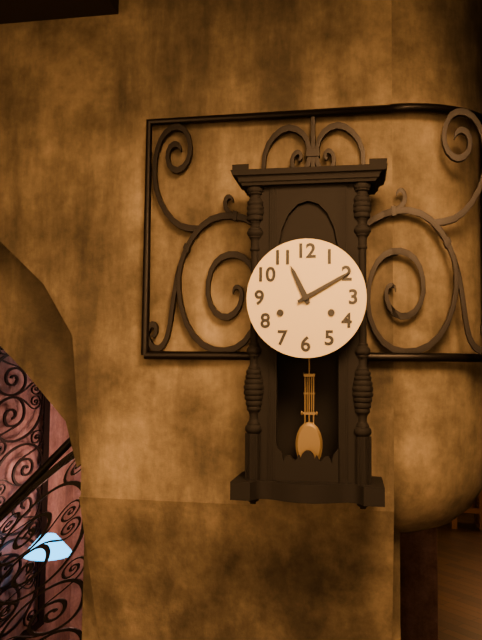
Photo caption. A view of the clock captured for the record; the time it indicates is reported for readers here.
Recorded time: 11:10
